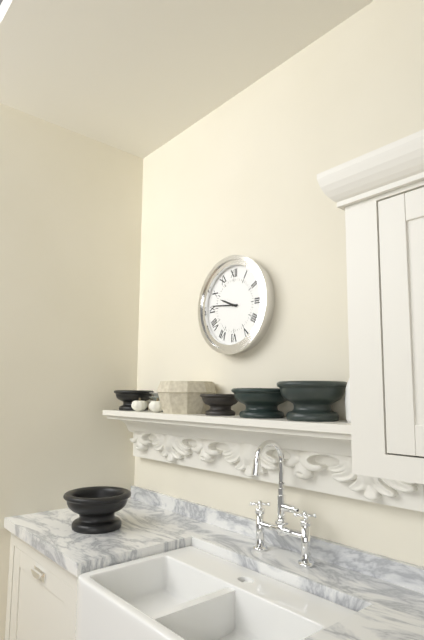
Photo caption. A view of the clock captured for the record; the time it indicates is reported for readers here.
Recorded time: 9:46
